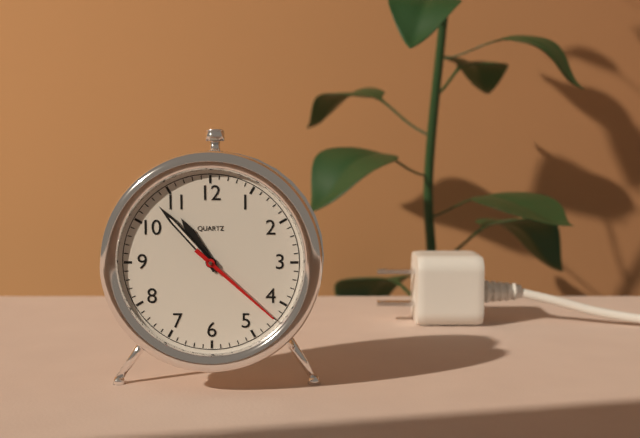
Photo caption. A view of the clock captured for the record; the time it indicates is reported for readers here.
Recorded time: 10:53:22
